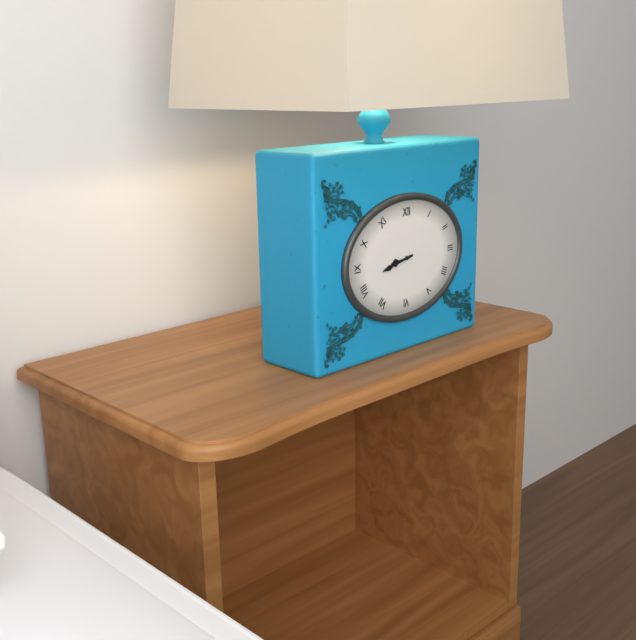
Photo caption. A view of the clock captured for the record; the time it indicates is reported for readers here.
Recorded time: 8:43
